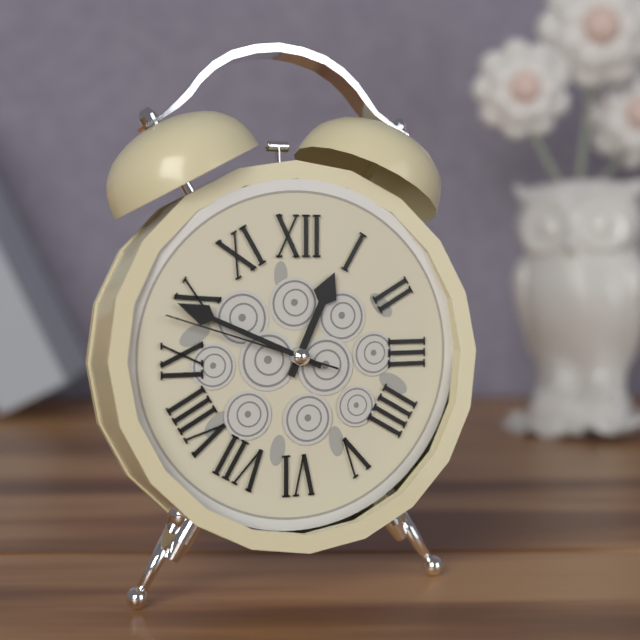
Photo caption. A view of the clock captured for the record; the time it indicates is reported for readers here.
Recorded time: 12:49:48
